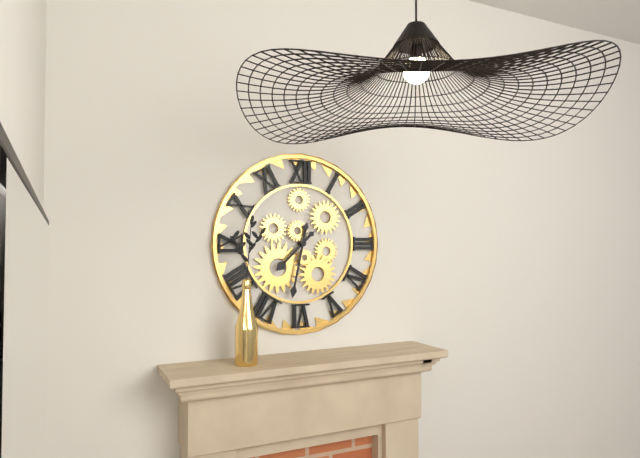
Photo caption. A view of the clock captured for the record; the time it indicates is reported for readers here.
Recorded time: 7:32
